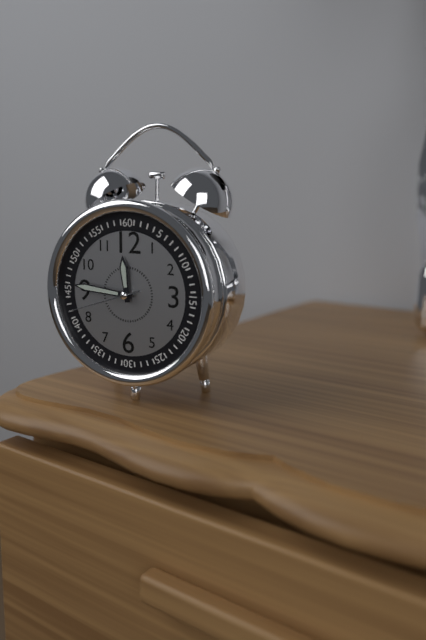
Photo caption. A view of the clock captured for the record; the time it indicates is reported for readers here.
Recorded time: 11:46:42
